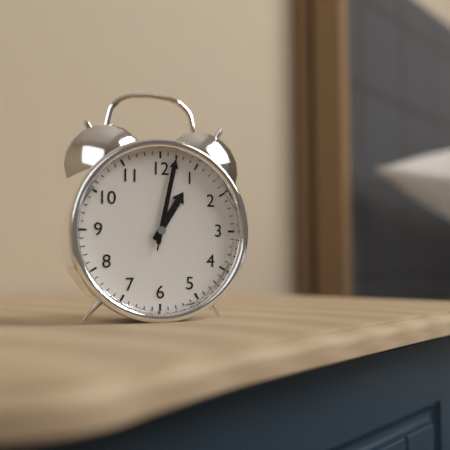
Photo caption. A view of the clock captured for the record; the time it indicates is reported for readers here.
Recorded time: 1:02:02
